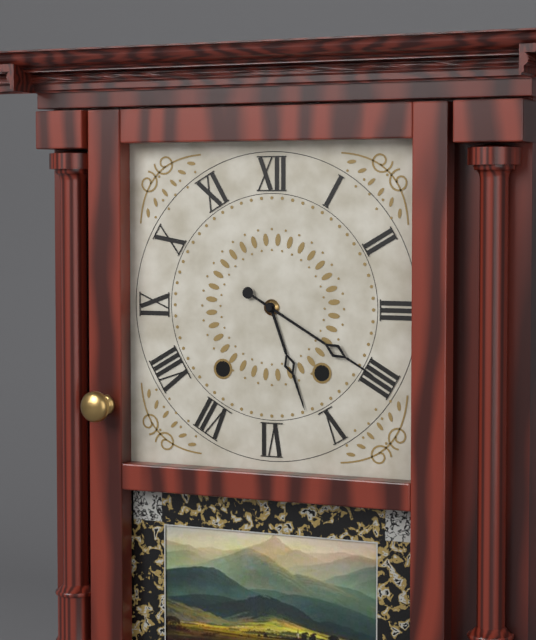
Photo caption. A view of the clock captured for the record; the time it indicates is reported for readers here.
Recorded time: 5:20
